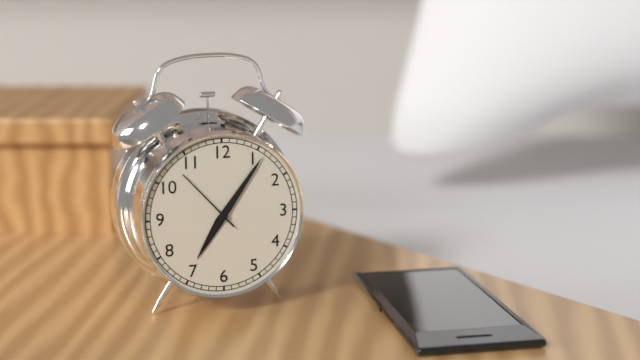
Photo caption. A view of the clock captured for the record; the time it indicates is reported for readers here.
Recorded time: 7:06:53
